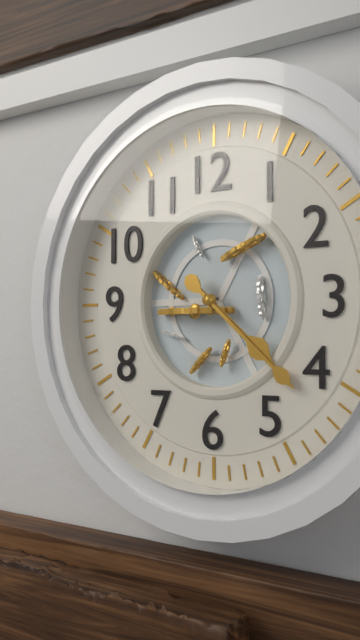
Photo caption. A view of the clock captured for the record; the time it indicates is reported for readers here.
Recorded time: 4:22
